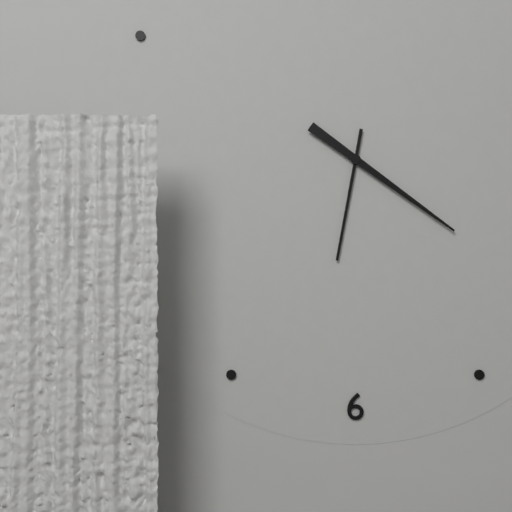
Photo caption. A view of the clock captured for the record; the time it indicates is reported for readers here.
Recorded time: 6:21
